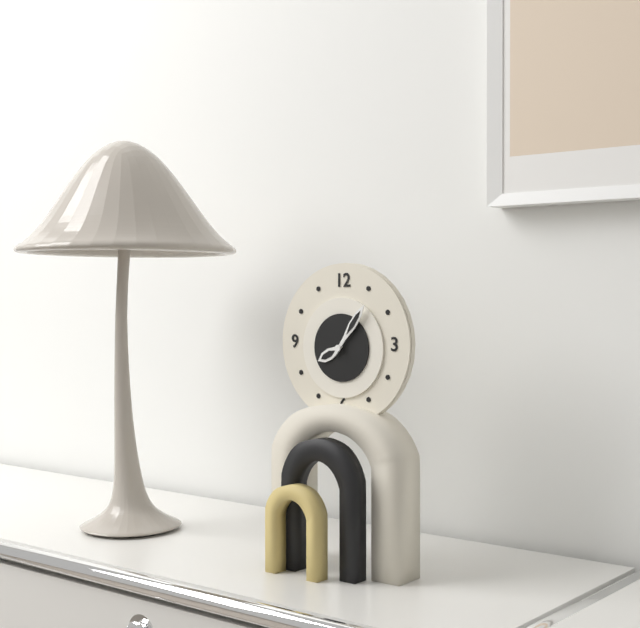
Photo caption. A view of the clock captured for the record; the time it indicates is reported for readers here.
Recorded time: 8:06
